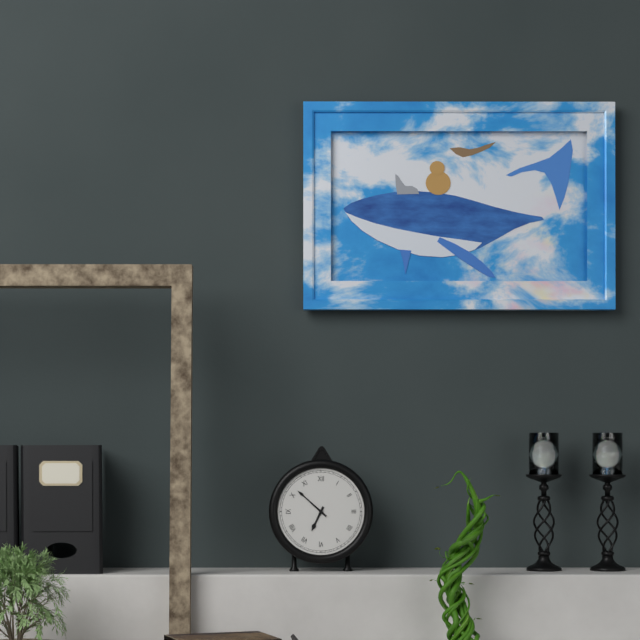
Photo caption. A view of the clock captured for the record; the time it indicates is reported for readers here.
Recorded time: 6:52
